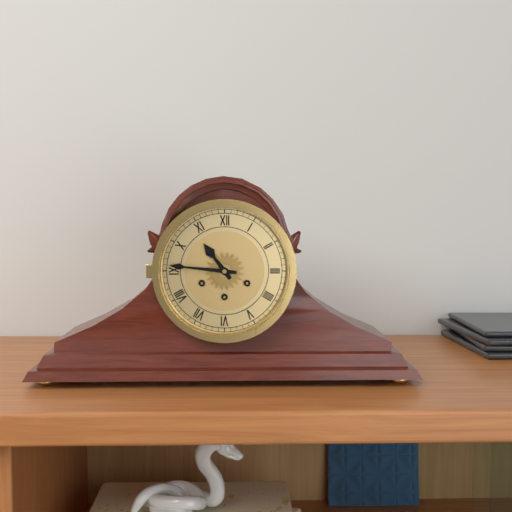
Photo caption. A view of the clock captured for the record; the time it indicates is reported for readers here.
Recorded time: 10:46
